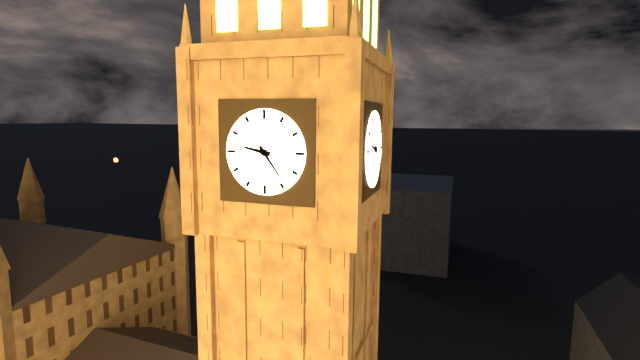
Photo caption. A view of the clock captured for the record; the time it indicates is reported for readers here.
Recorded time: 9:24
